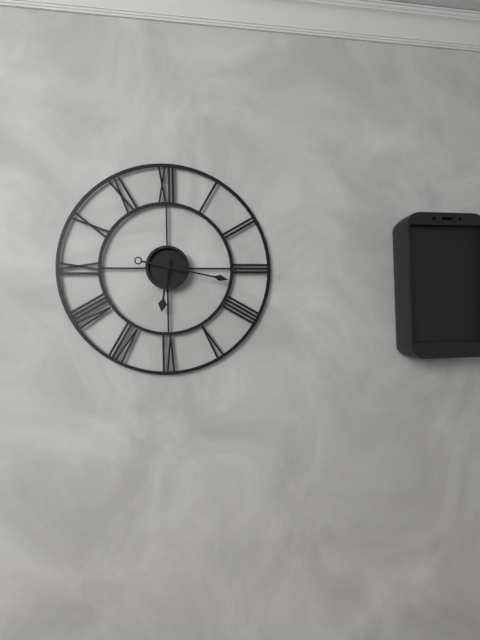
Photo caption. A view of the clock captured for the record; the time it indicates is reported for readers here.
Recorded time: 6:17
